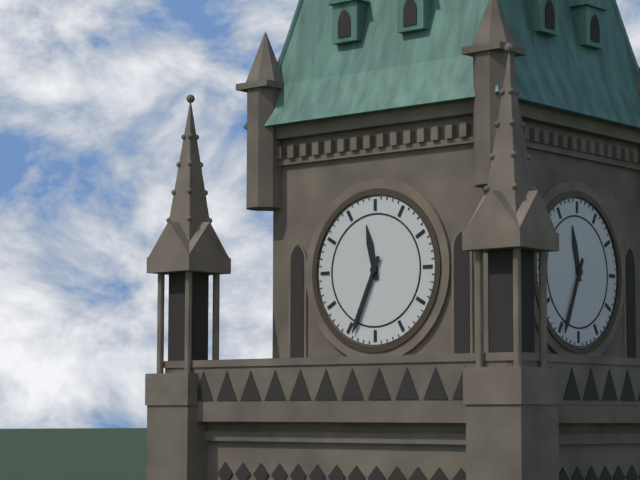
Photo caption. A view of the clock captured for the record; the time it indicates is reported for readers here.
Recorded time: 11:34
